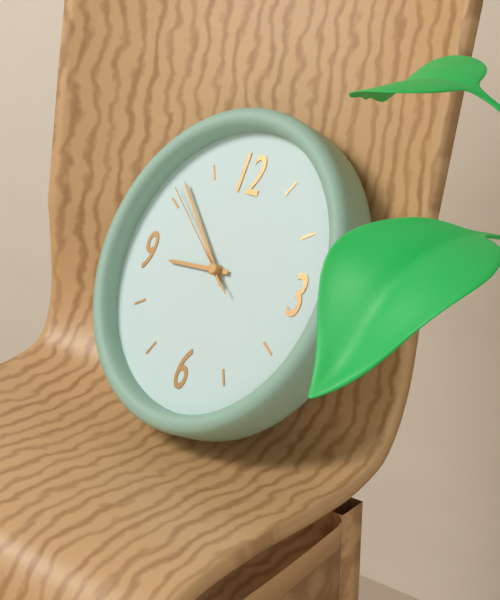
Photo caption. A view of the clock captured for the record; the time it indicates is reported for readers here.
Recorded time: 8:52:51
